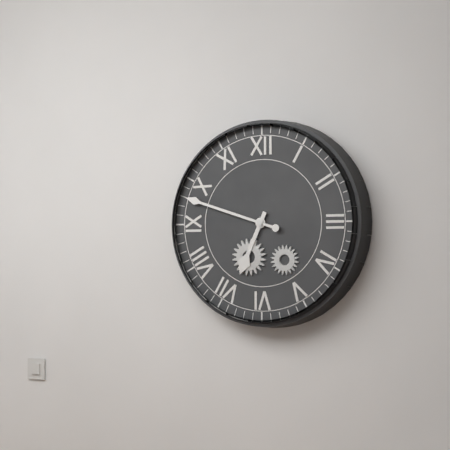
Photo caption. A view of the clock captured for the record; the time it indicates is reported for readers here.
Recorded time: 6:48
